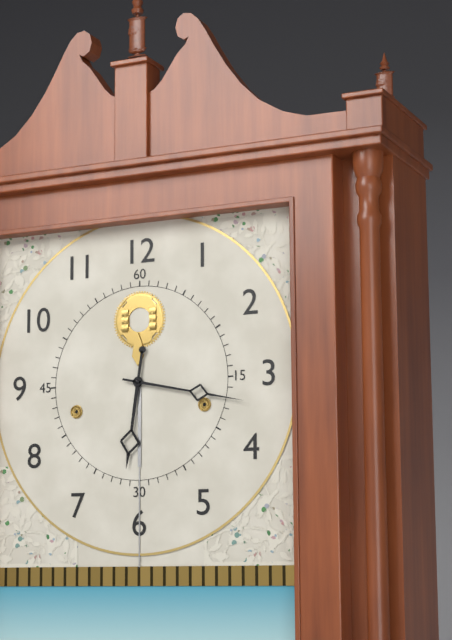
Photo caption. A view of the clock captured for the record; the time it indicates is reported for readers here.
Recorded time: 6:17
